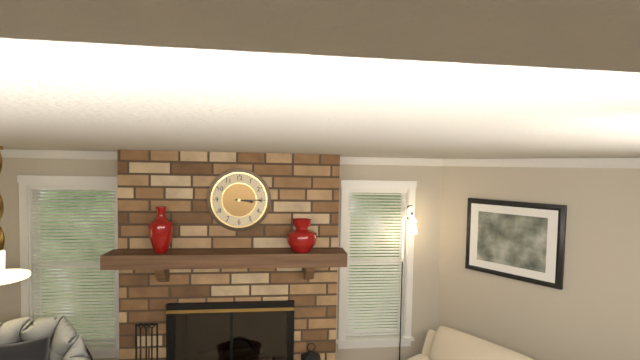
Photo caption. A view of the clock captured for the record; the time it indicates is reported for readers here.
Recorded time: 3:15
